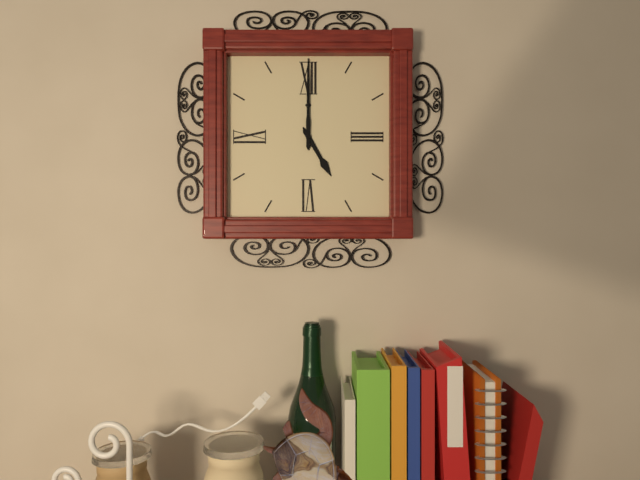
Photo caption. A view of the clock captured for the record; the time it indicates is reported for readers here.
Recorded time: 5:00
